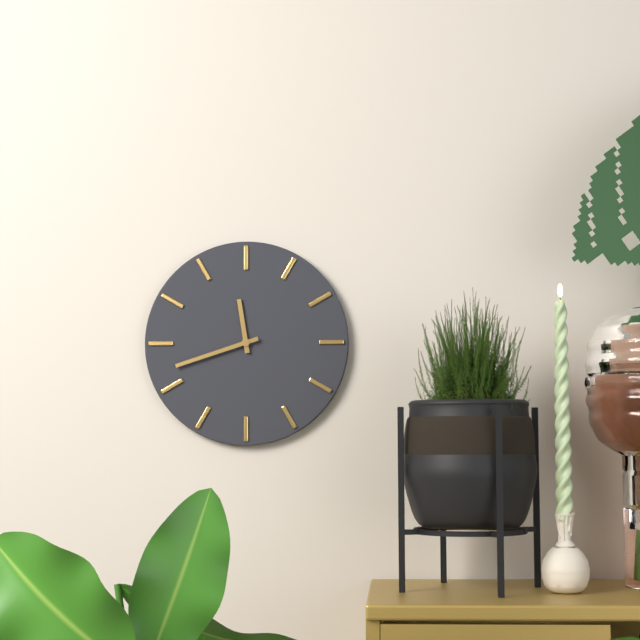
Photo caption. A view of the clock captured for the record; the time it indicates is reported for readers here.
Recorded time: 11:42
